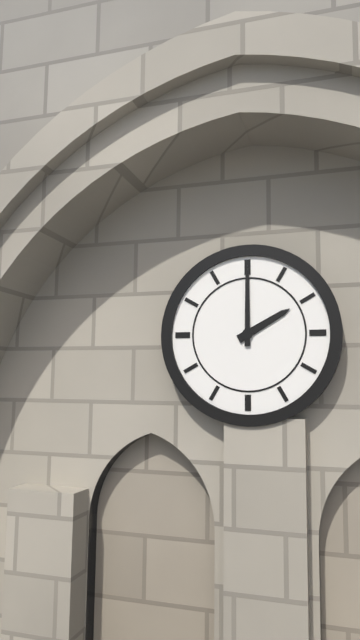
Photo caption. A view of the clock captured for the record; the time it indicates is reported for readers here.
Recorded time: 2:00
